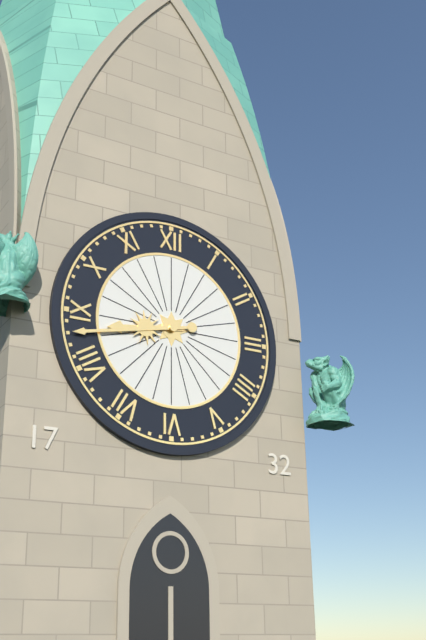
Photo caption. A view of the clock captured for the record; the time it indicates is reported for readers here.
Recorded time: 8:43
